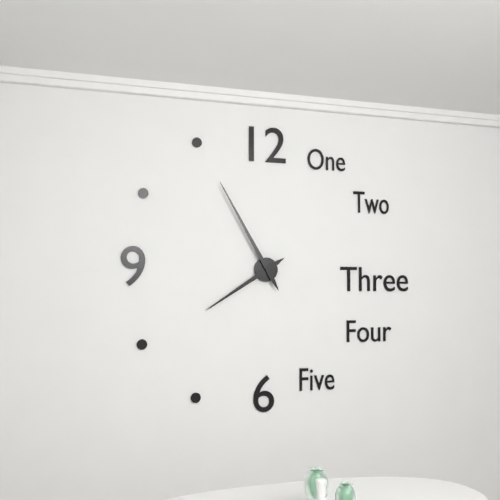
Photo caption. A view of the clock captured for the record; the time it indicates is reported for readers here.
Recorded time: 7:55
